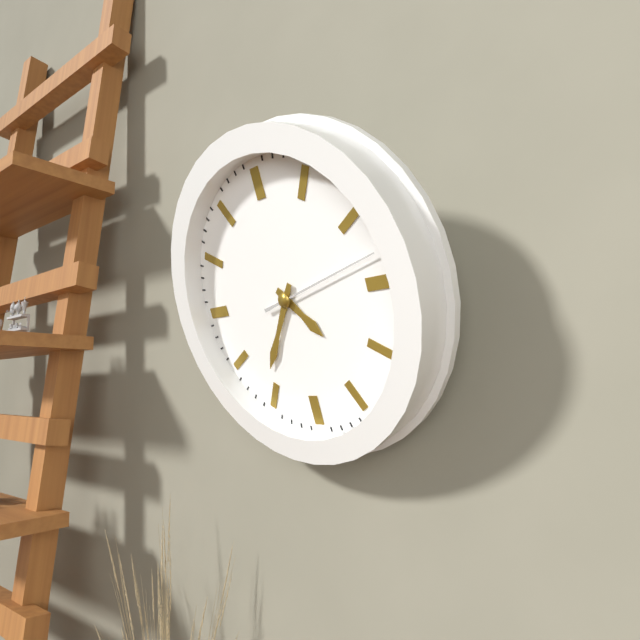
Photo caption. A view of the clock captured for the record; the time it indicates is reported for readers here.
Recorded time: 4:36:13
